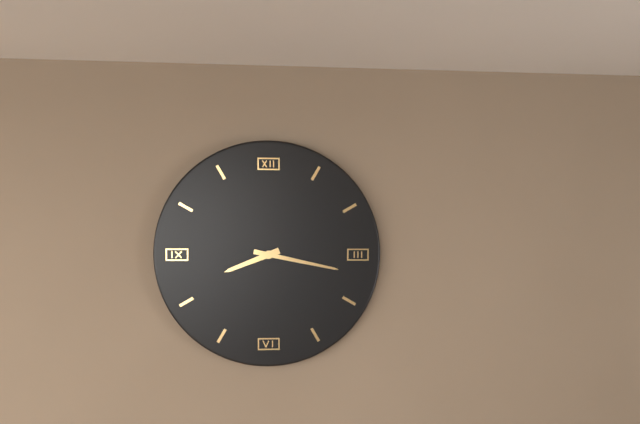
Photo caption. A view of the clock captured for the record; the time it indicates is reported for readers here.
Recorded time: 8:17
